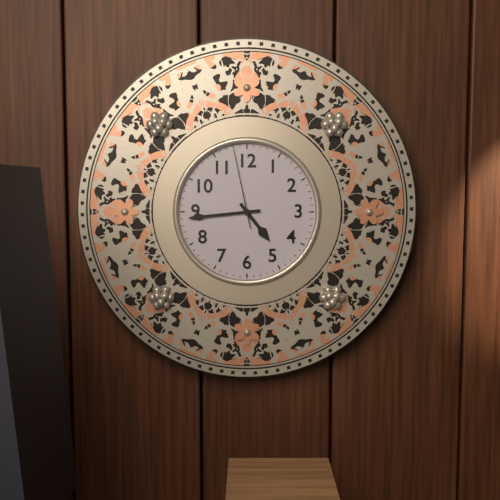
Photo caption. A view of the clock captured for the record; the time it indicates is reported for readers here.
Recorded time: 4:44:58
